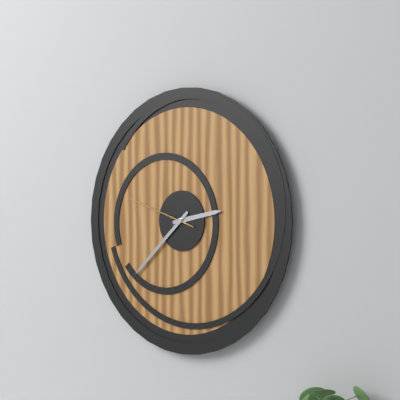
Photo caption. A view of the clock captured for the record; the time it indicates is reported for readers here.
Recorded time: 2:38:48
